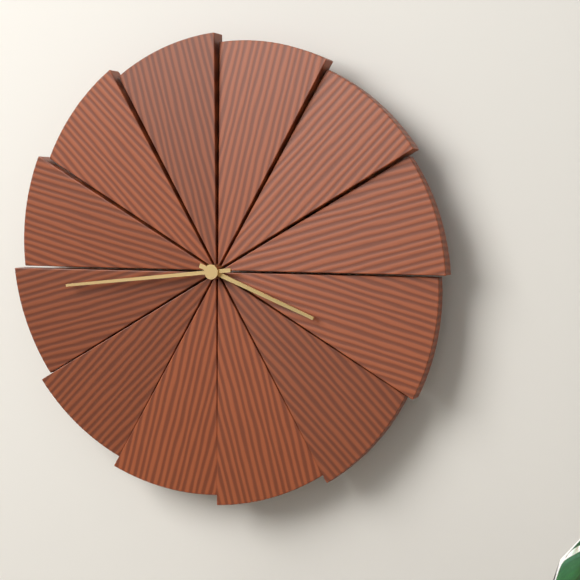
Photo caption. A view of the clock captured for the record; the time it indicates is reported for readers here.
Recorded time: 3:44
